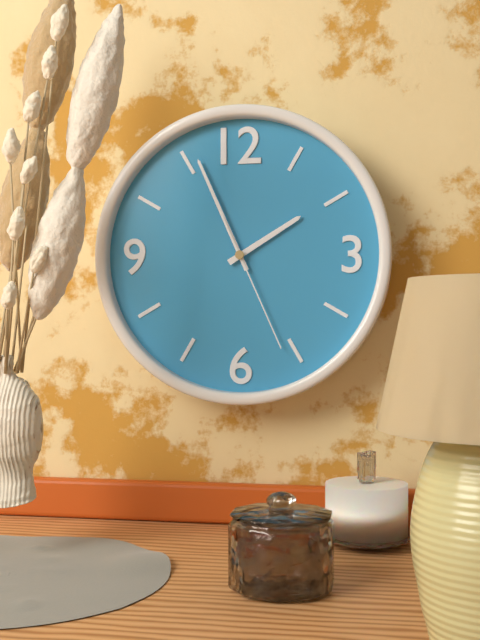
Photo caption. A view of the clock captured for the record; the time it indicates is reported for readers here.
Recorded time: 1:56:26
